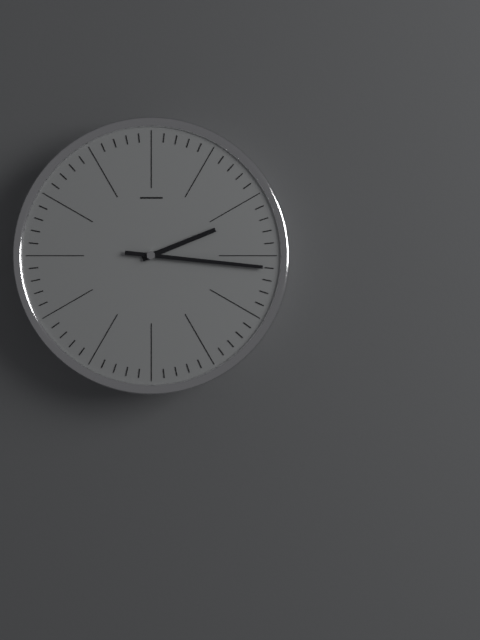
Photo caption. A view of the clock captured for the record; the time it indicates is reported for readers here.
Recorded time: 2:16
